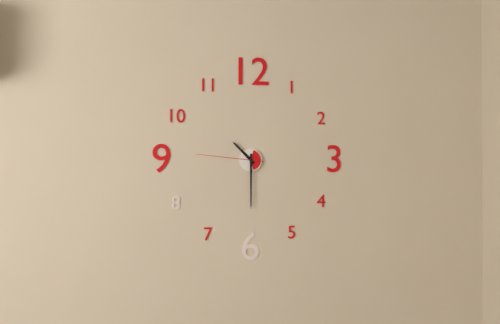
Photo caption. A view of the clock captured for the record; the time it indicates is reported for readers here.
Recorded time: 10:30:46
